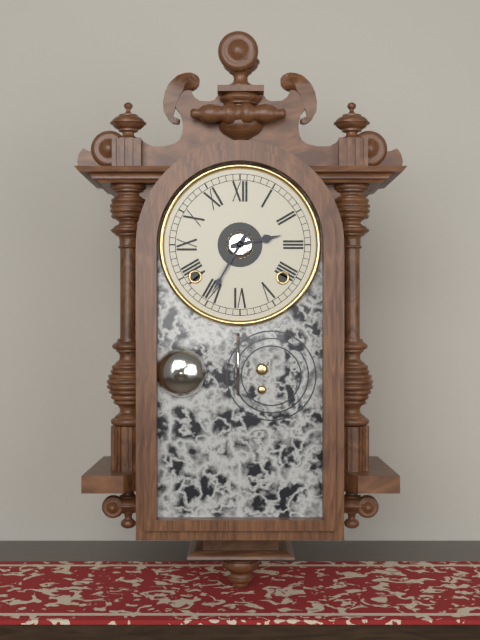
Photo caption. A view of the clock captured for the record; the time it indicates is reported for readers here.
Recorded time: 2:35
